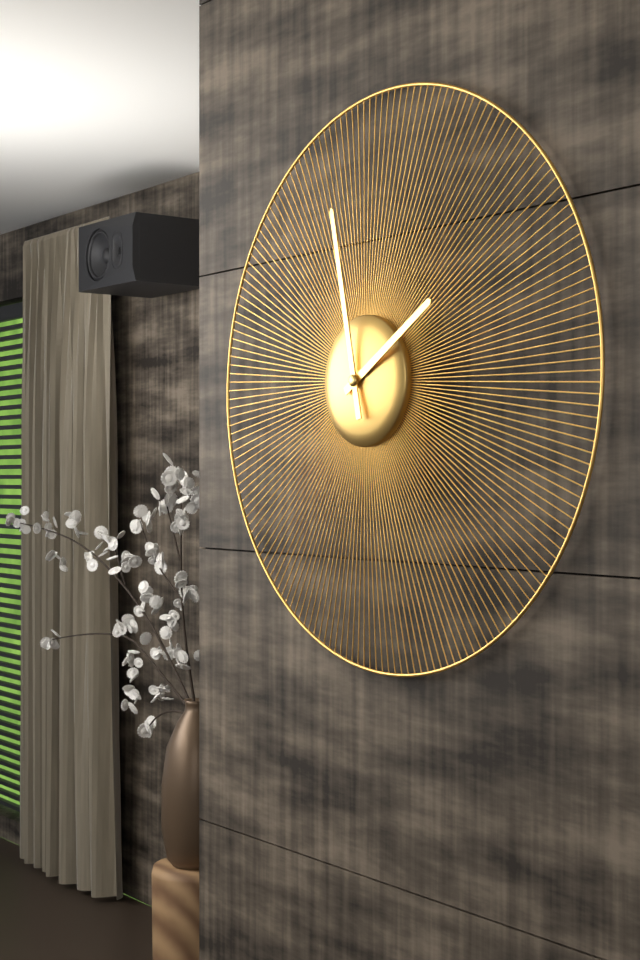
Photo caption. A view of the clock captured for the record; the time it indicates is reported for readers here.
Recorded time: 1:58
